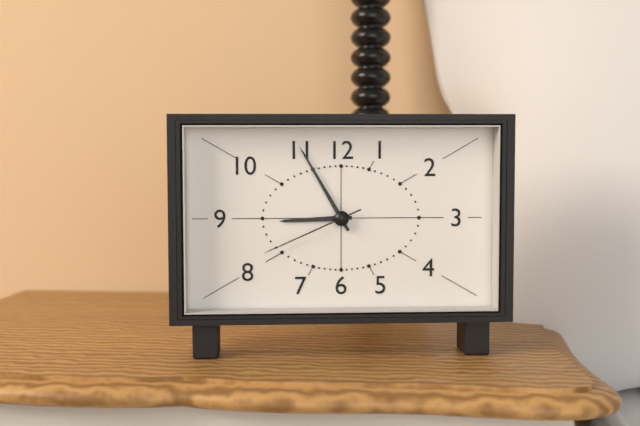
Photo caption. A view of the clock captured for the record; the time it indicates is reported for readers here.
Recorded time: 8:55:41
